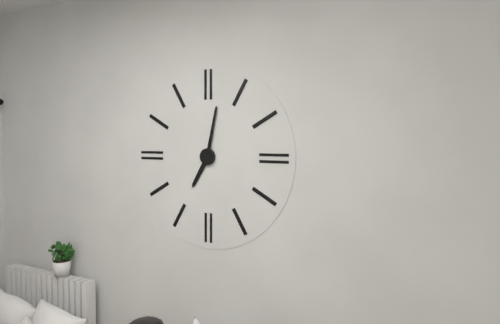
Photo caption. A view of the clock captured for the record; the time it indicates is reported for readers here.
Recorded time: 7:02
